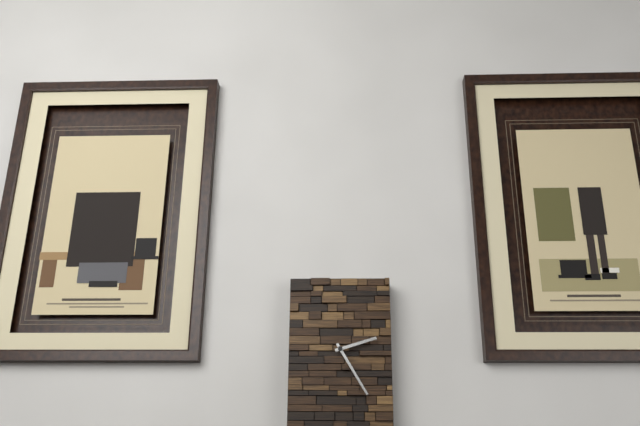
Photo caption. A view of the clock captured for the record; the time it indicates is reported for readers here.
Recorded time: 2:25
